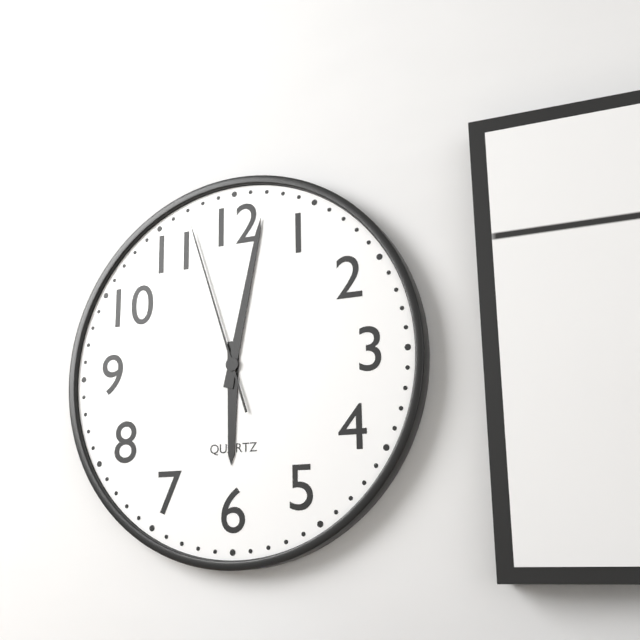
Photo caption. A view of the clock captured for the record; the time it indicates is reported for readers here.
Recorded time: 6:02:57
